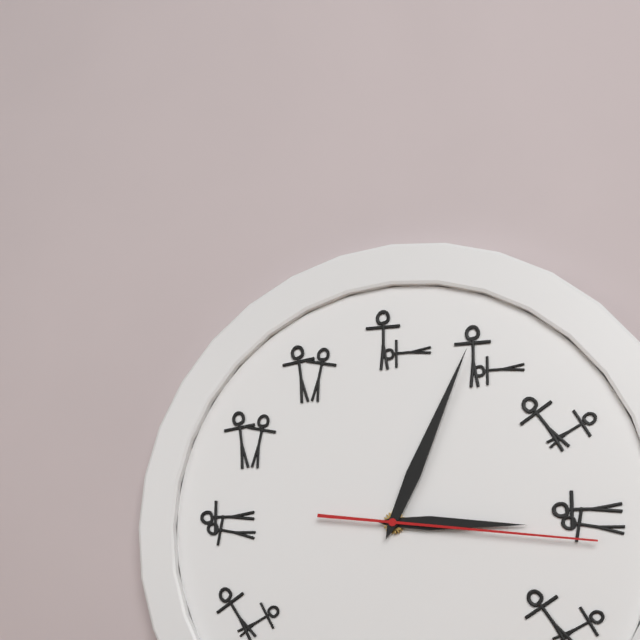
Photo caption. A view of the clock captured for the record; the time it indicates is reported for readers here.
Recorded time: 3:04:16
